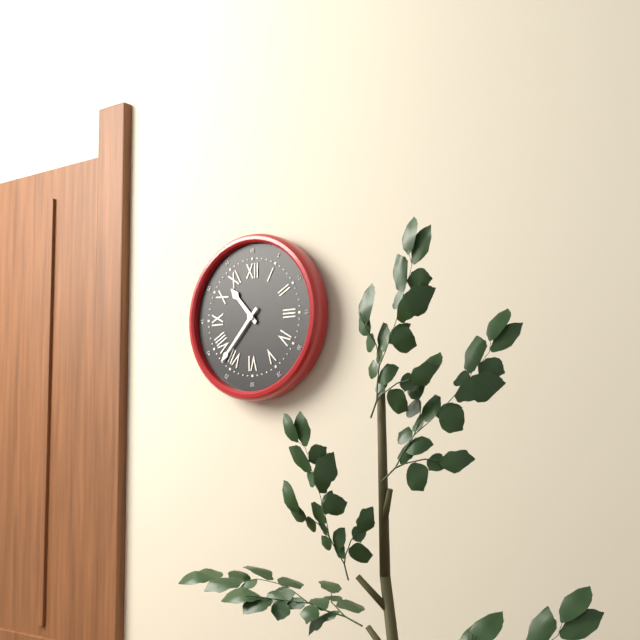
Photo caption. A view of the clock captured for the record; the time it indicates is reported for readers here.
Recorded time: 10:37
